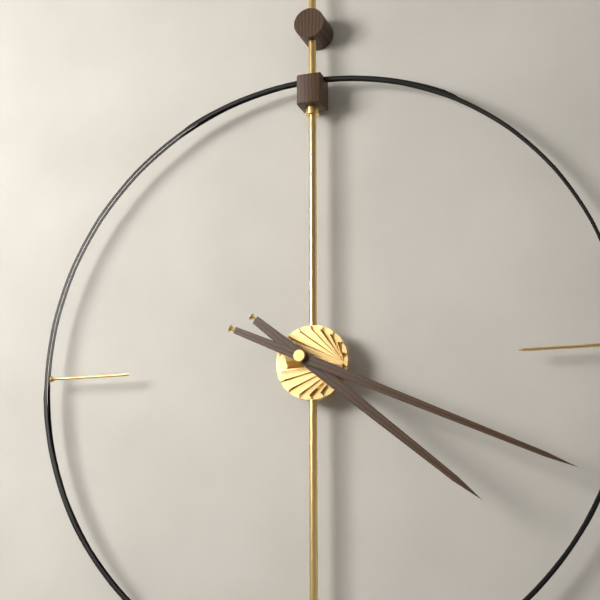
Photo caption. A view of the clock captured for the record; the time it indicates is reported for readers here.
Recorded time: 4:19
